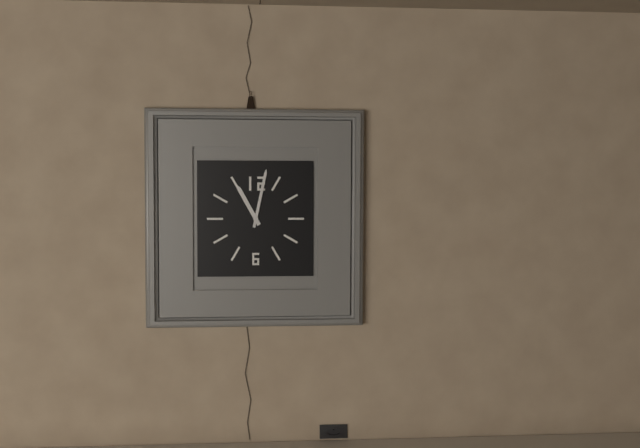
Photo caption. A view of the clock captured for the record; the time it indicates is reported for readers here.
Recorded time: 11:02
